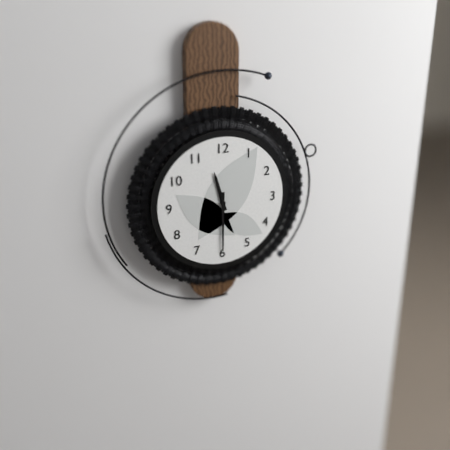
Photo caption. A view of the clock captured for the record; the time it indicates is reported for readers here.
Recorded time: 11:30
